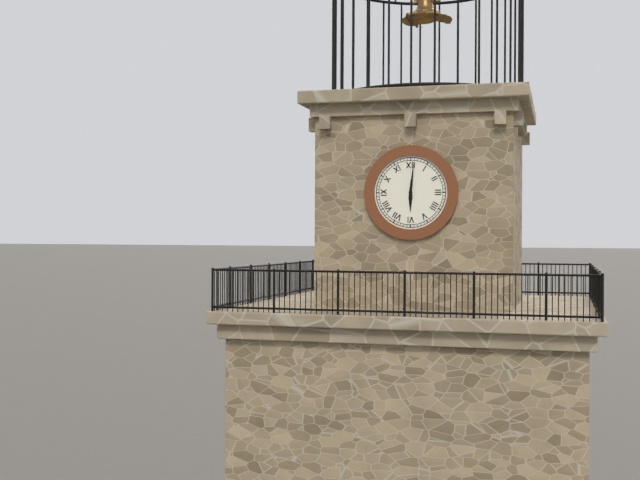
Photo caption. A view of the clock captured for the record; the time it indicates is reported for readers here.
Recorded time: 6:01
